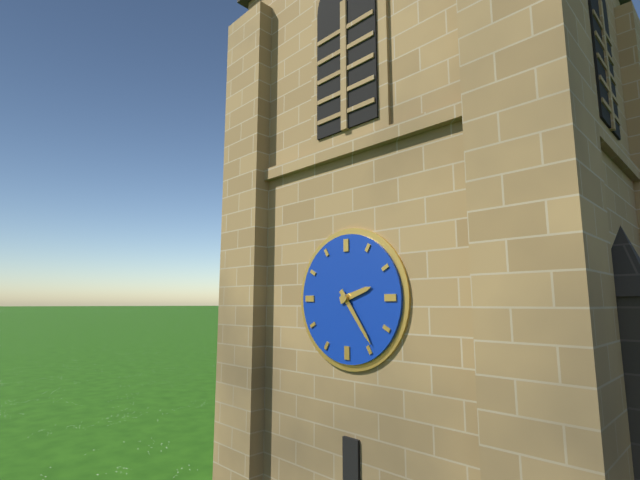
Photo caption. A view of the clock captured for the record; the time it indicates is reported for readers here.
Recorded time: 2:24
